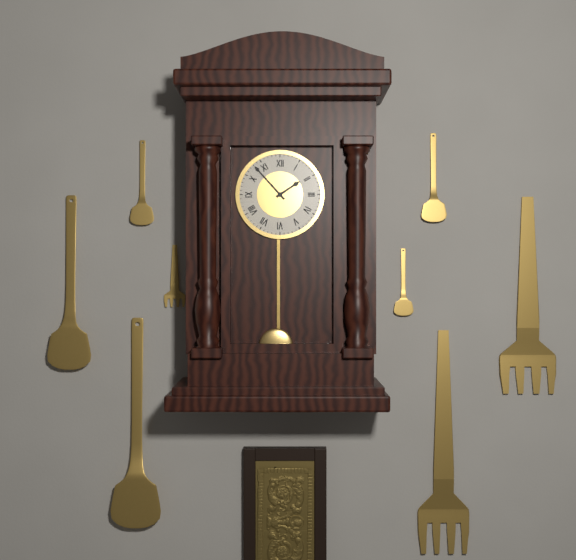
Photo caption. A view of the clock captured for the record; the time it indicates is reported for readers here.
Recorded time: 1:53
